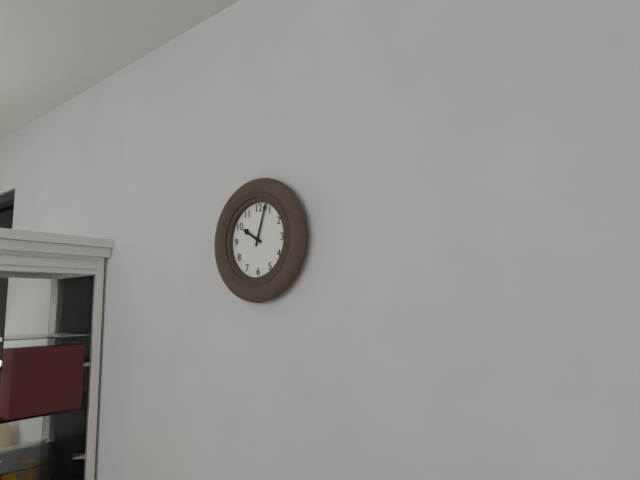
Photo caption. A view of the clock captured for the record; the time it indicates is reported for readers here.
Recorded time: 10:03
